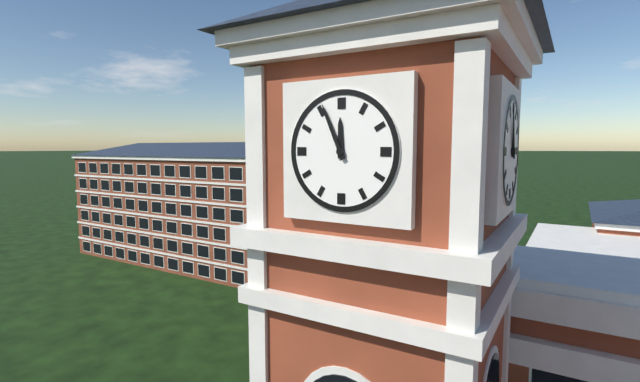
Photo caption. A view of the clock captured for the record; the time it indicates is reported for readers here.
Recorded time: 11:56
